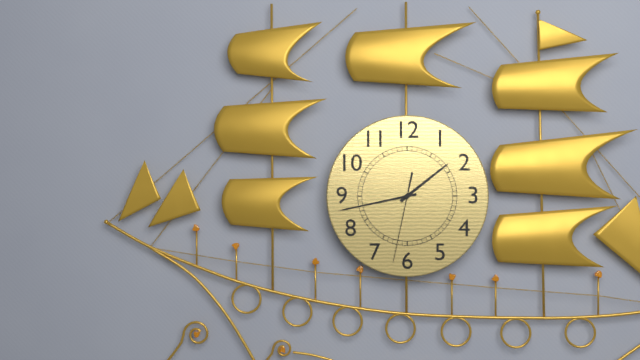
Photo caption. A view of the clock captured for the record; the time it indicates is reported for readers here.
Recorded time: 1:43:32
